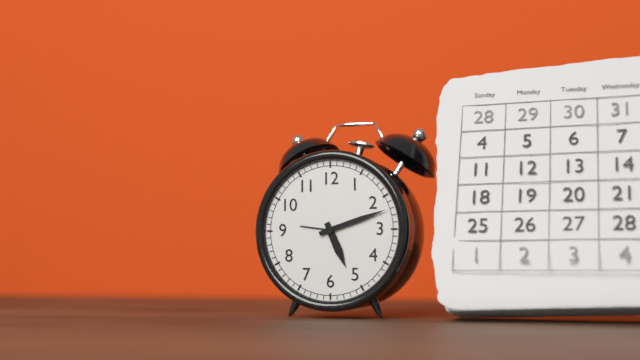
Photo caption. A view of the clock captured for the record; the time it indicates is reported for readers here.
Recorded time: 5:12
